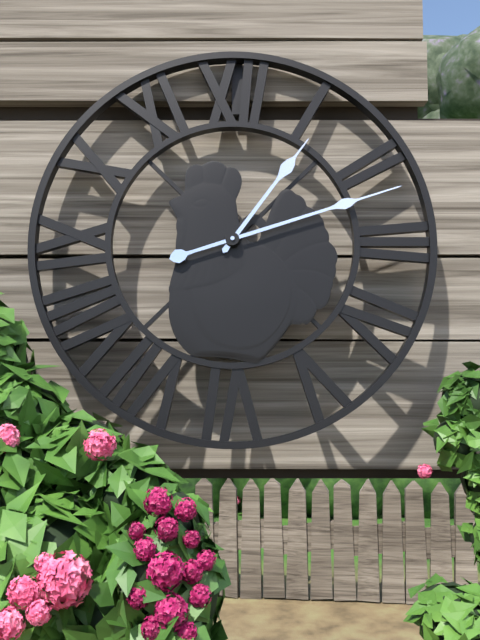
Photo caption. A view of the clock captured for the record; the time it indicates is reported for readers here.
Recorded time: 1:12
